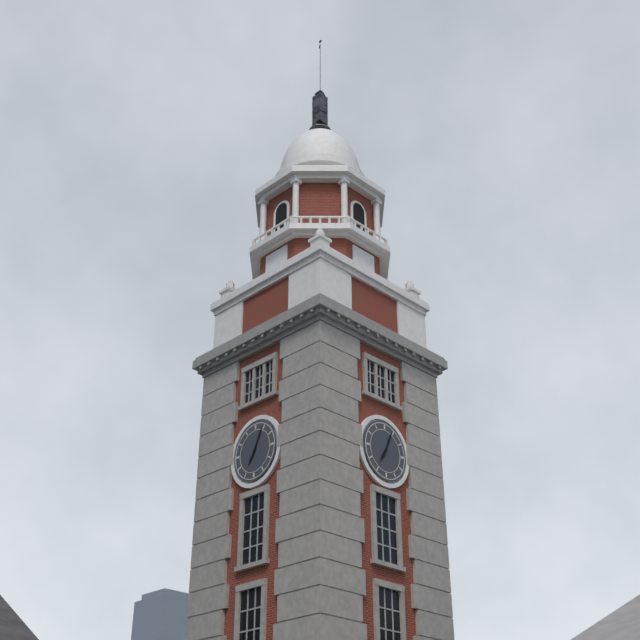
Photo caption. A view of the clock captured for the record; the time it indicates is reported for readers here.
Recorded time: 7:04
